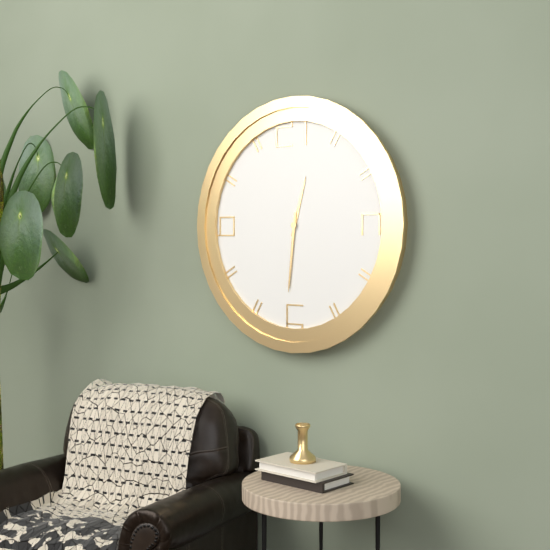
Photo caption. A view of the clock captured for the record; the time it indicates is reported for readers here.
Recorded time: 12:31
